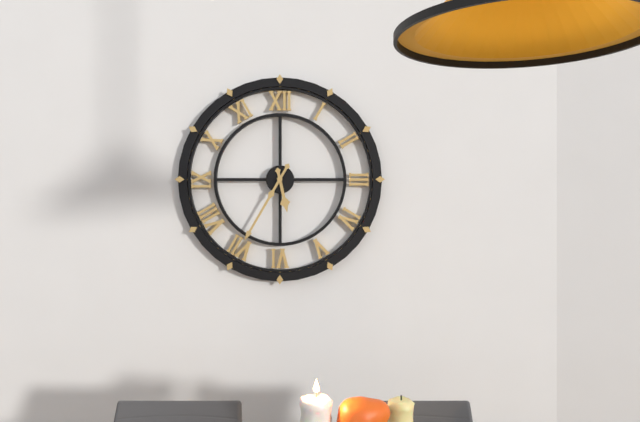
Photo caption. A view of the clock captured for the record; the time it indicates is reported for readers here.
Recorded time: 5:35
